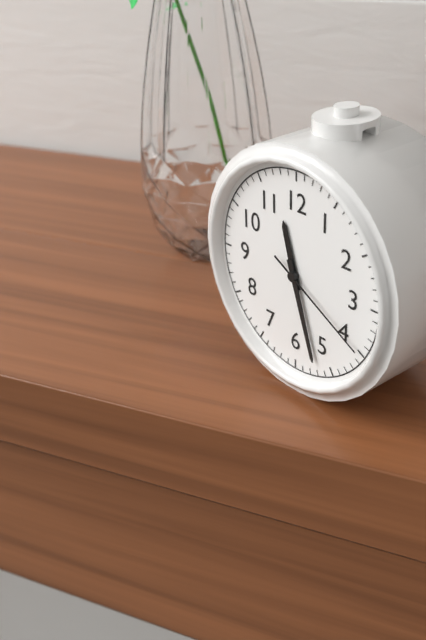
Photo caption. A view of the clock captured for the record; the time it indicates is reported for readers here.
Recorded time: 11:27:20
